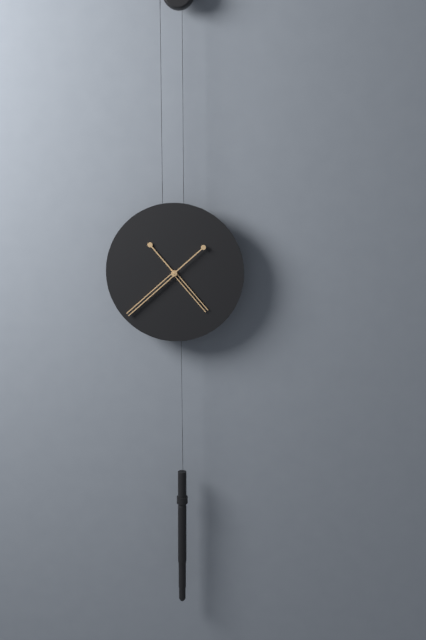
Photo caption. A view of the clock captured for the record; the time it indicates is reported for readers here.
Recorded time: 4:38
